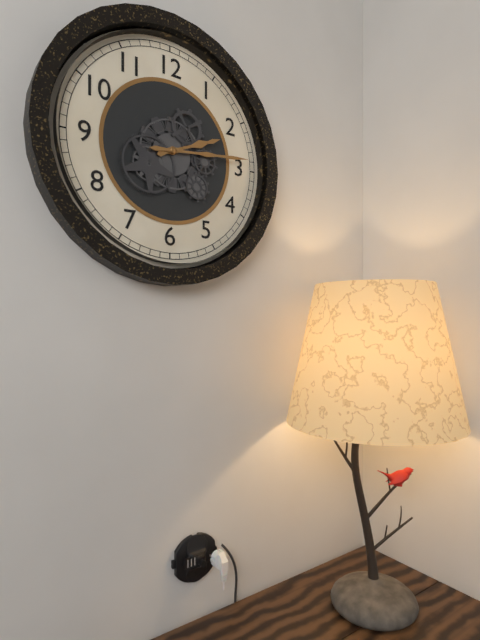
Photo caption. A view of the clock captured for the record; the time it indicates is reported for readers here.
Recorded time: 2:14
